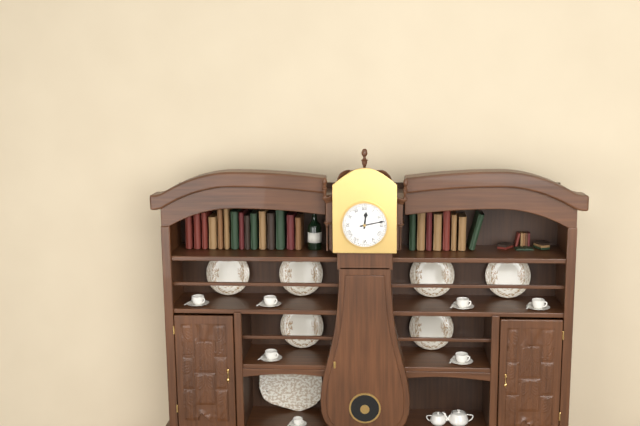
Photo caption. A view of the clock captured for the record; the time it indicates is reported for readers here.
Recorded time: 12:13
